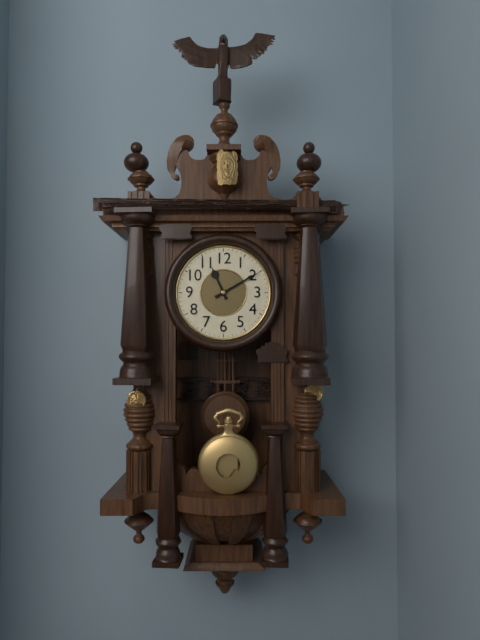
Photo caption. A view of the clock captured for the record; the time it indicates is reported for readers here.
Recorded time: 11:10
